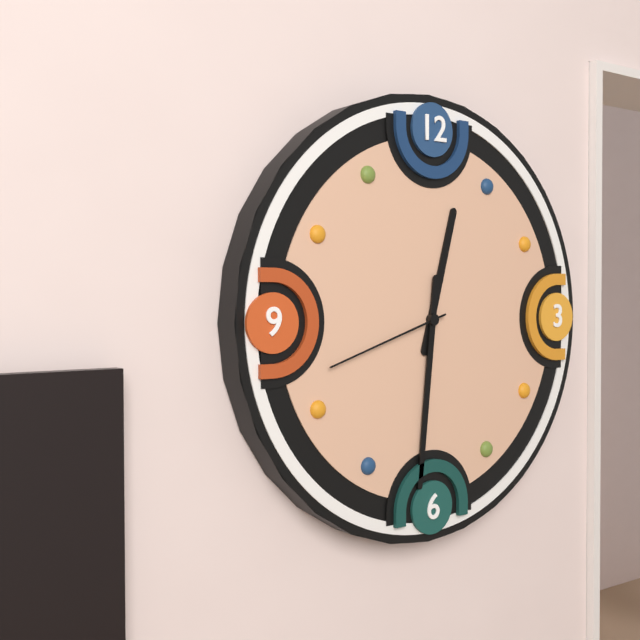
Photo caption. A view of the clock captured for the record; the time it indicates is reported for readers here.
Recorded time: 12:31:42
